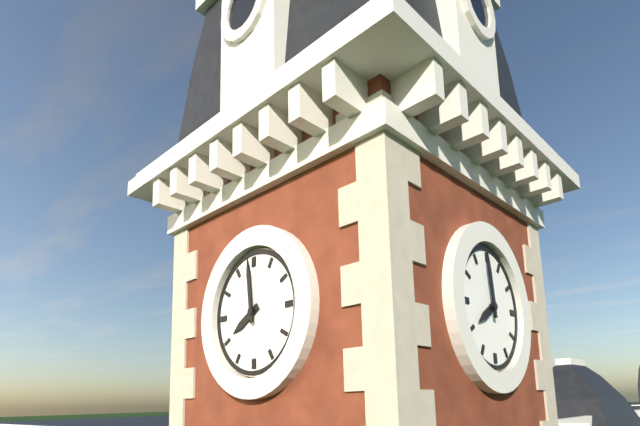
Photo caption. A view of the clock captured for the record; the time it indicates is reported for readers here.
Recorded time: 7:59
